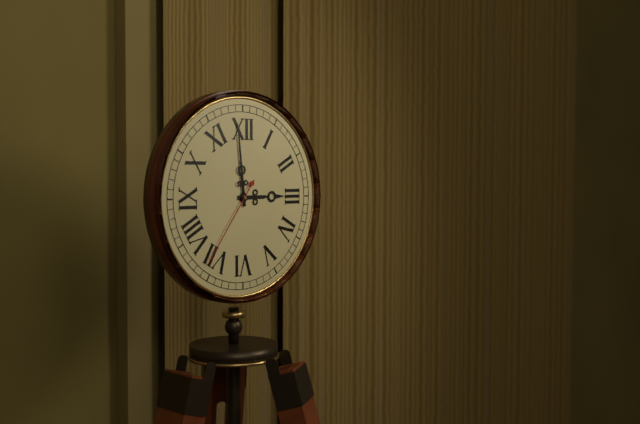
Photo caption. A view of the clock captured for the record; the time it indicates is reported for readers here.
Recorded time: 2:59:36
